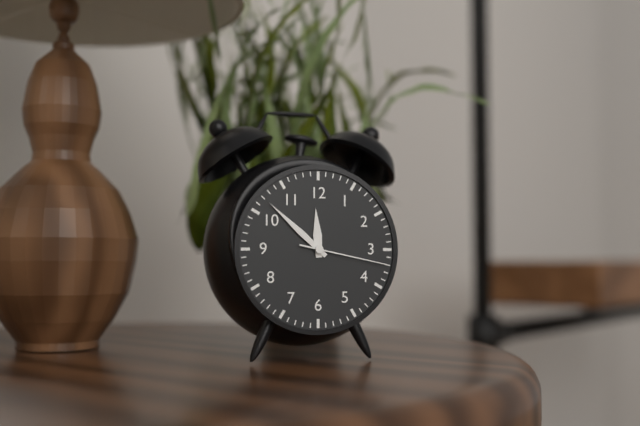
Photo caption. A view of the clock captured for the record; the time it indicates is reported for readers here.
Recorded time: 11:52:17
